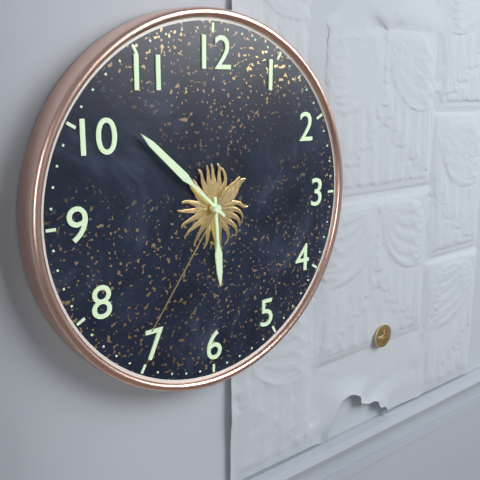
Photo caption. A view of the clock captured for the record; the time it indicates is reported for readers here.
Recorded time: 5:52:36
